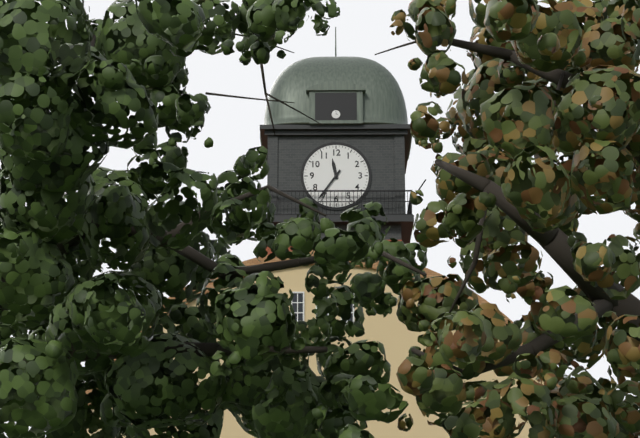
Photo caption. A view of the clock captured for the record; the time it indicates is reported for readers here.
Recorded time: 11:36
